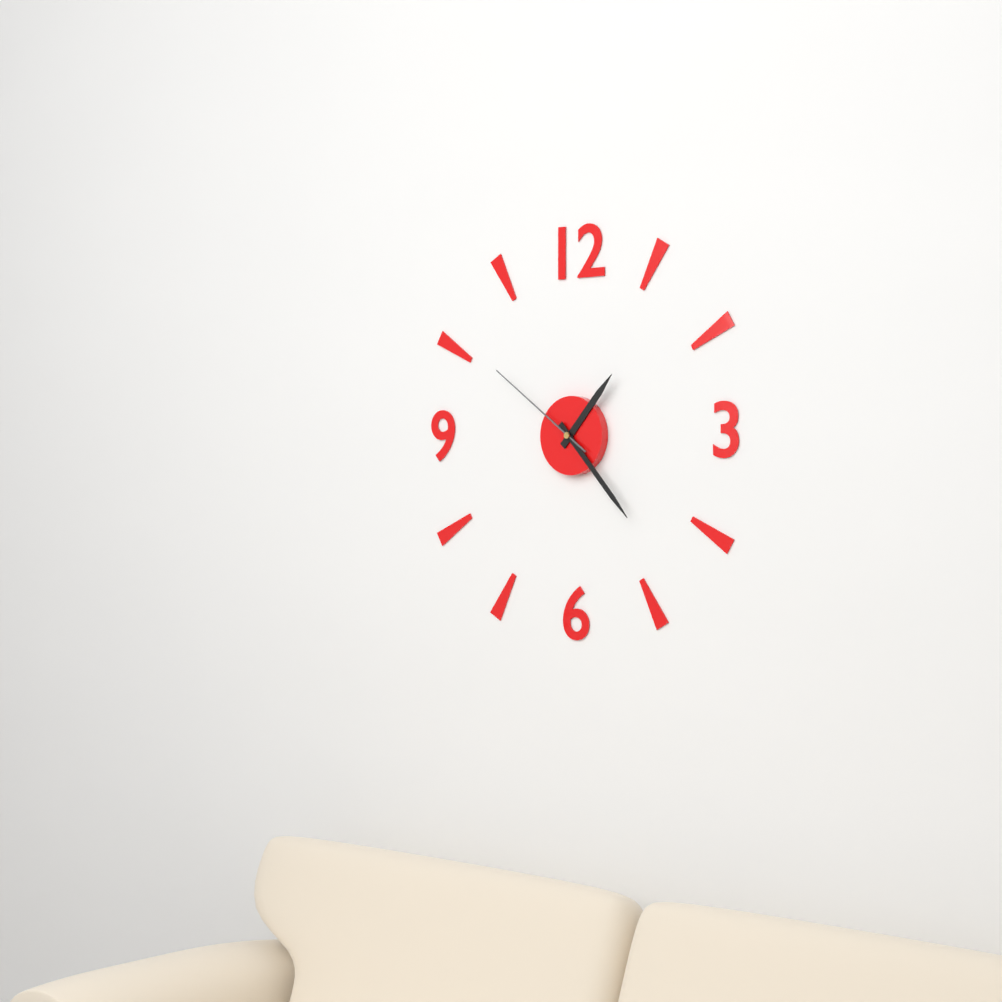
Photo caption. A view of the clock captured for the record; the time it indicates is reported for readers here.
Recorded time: 1:23:51
